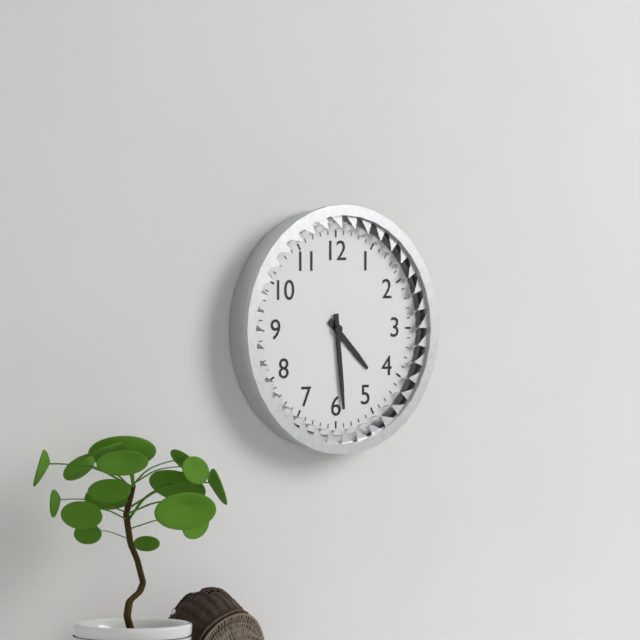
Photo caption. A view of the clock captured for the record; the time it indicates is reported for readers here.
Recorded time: 4:29
